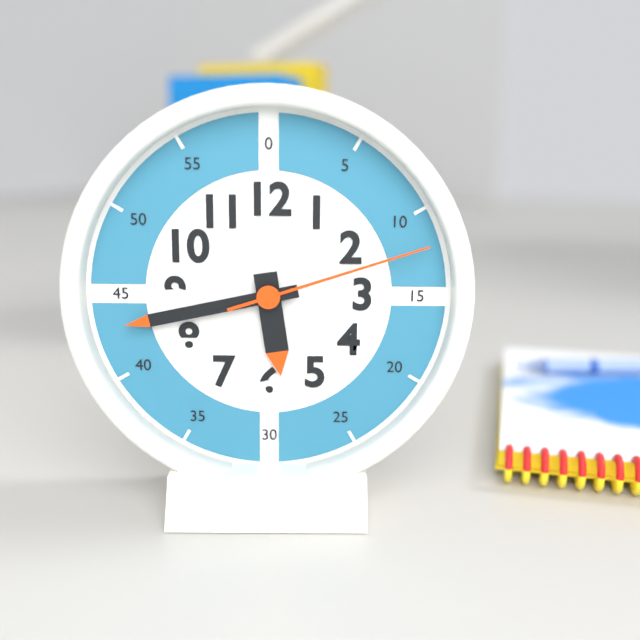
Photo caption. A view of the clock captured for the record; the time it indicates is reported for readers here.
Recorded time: 5:43:12
